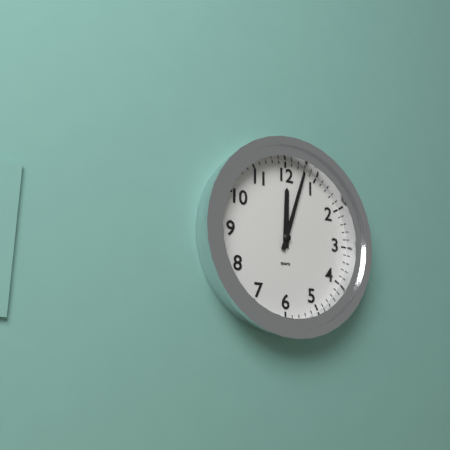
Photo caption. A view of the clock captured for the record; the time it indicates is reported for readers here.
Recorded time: 12:03
